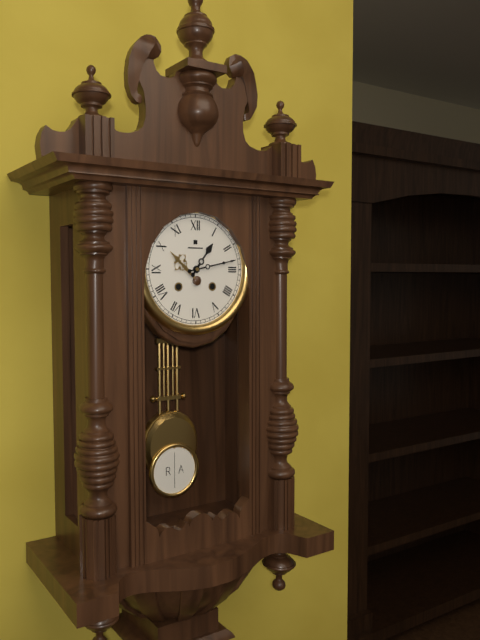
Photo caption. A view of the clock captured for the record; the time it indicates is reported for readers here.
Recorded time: 1:13
